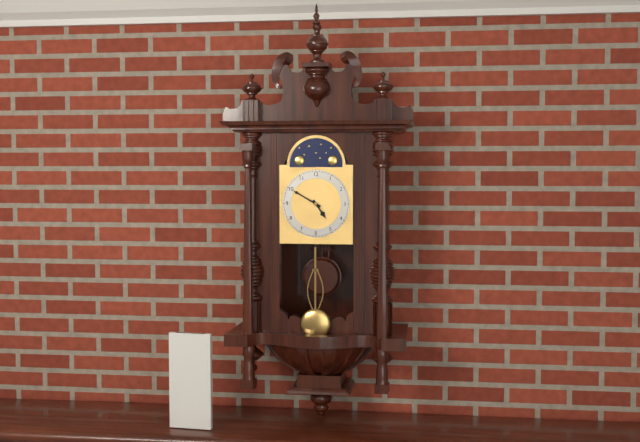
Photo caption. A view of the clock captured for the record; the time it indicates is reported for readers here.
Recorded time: 4:50
